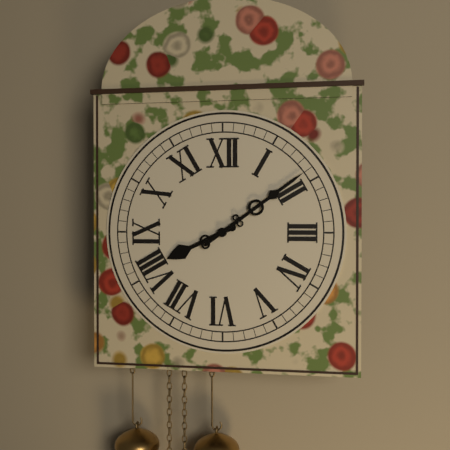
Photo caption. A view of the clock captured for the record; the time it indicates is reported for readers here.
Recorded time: 8:09
